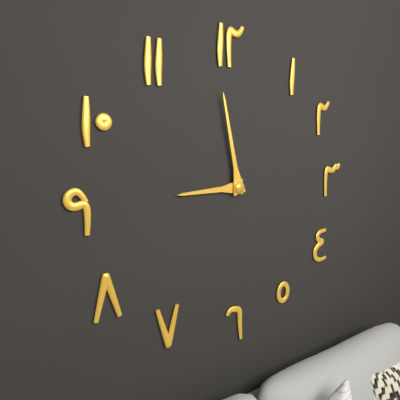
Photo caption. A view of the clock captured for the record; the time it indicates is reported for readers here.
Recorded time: 8:58
